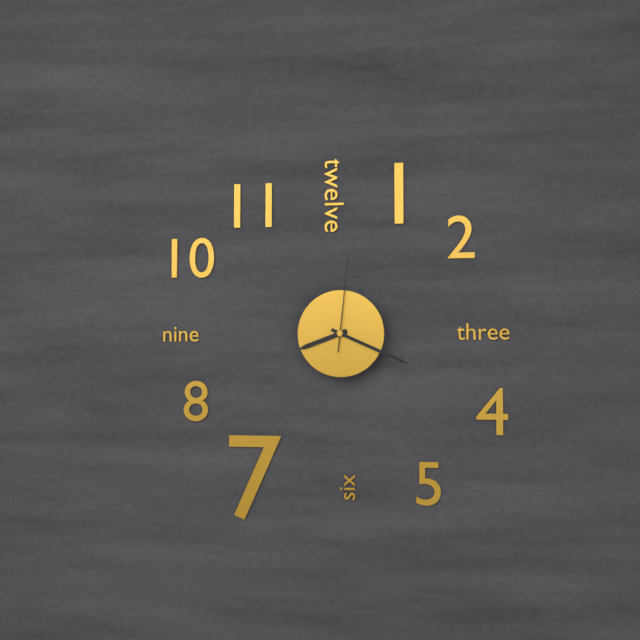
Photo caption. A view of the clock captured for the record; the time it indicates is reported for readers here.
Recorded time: 8:19:01
